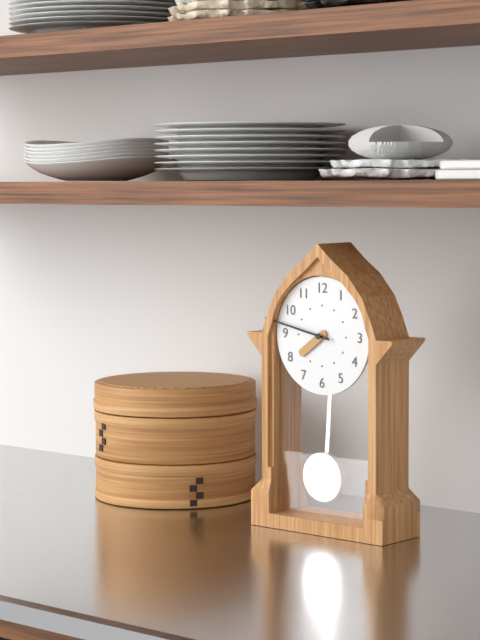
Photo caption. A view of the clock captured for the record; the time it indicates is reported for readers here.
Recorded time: 7:47
